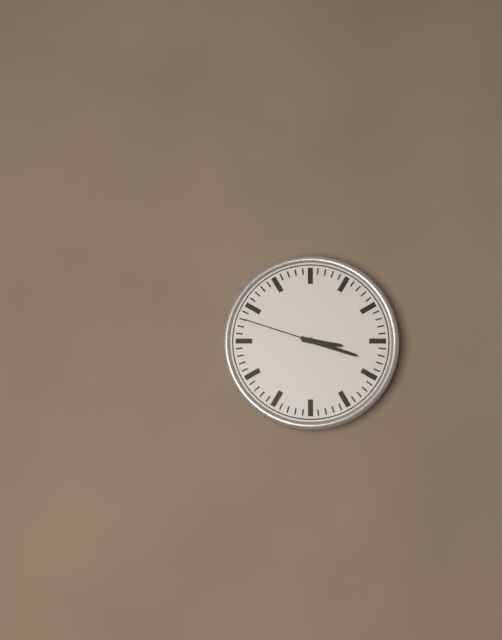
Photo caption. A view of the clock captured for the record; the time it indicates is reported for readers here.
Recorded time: 3:18:48
